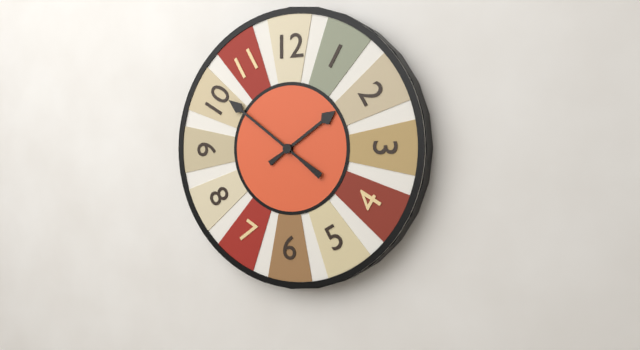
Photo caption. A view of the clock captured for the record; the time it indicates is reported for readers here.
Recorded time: 1:51
